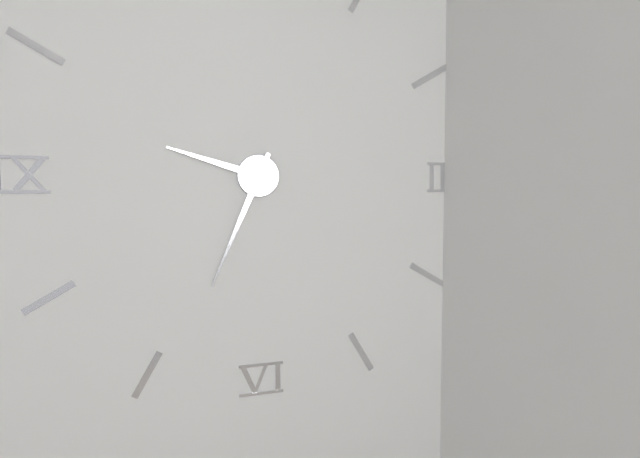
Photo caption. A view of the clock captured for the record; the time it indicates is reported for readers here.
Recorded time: 9:34
